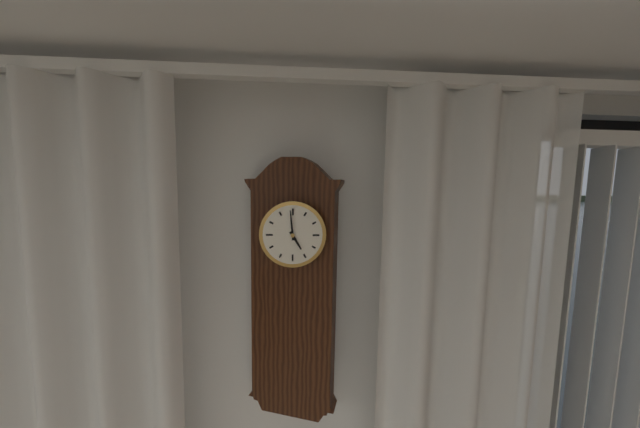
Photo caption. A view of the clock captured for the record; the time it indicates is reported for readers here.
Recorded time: 4:59
